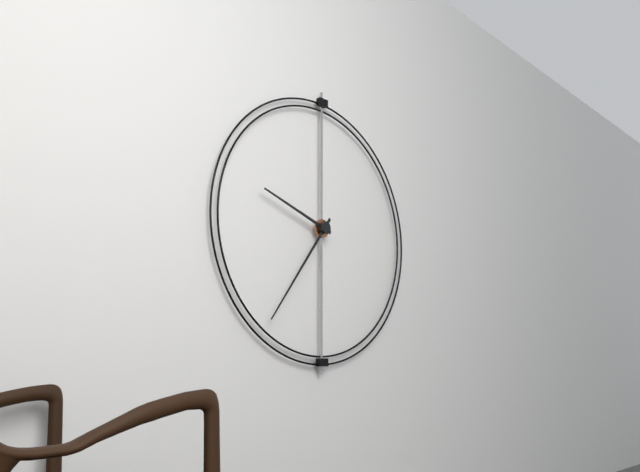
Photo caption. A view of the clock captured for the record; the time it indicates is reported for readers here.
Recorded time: 9:36
